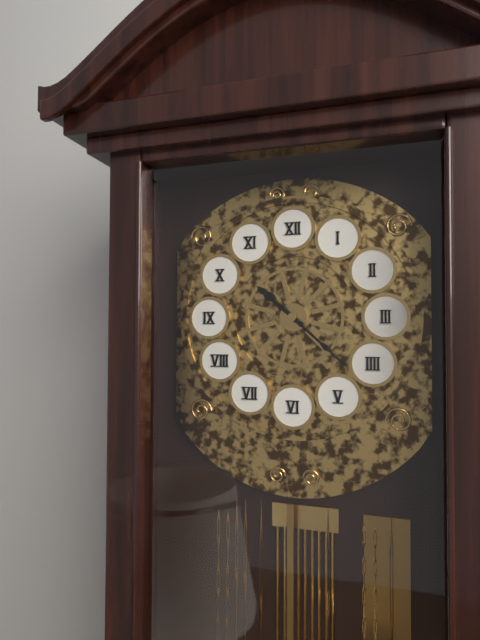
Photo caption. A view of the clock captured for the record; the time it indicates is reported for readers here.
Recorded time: 10:22
